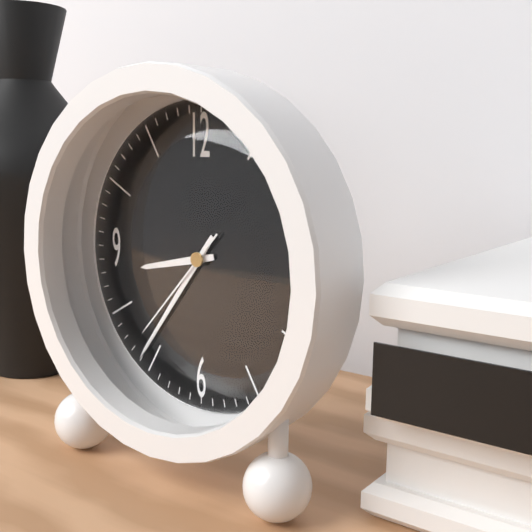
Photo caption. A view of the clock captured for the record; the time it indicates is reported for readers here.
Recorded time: 8:36:37
